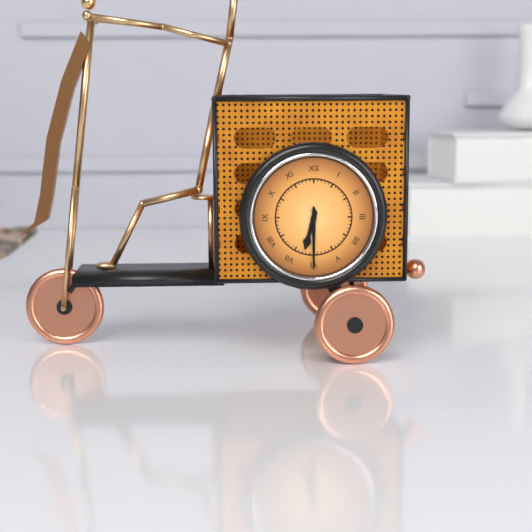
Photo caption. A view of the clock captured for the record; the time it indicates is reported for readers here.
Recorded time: 6:30
